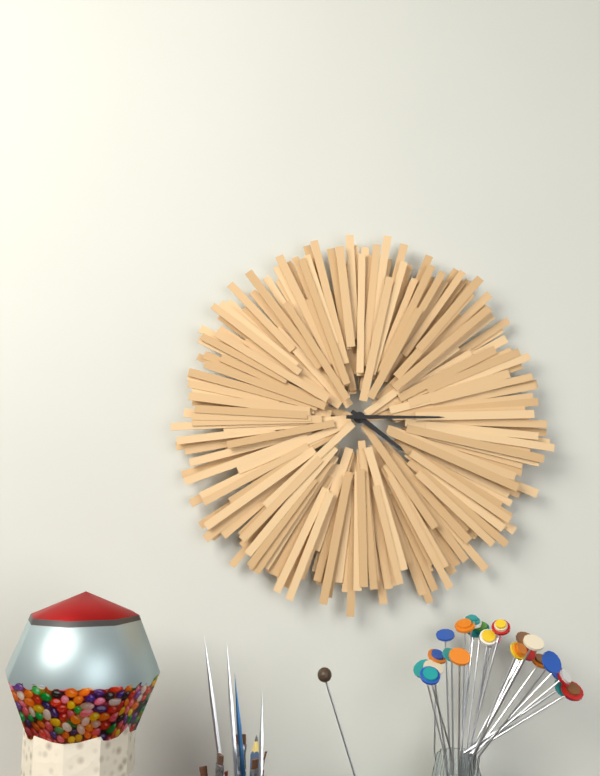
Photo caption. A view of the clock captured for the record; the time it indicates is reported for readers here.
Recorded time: 4:15
